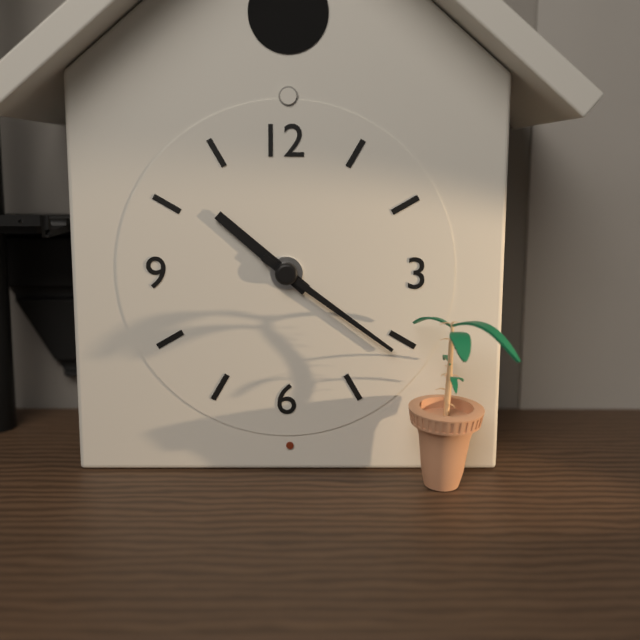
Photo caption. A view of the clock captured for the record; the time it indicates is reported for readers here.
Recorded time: 10:21
